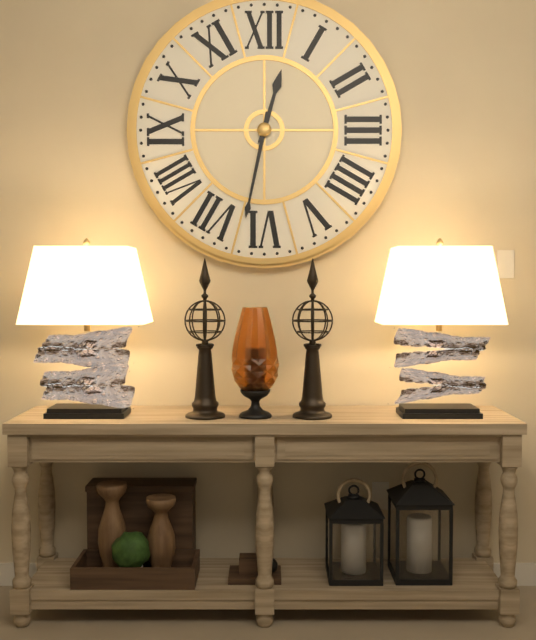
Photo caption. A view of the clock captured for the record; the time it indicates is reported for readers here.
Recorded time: 12:32
